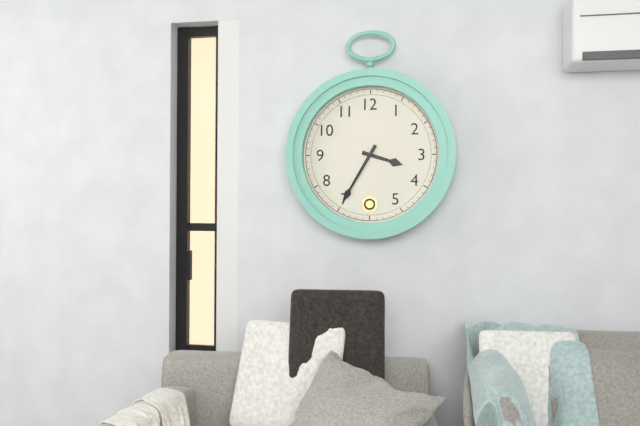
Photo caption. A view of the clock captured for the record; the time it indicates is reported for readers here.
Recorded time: 3:35
